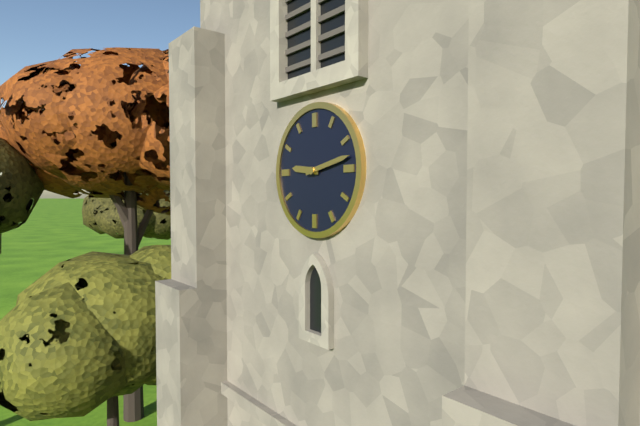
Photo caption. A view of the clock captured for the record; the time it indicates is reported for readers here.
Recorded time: 9:13
